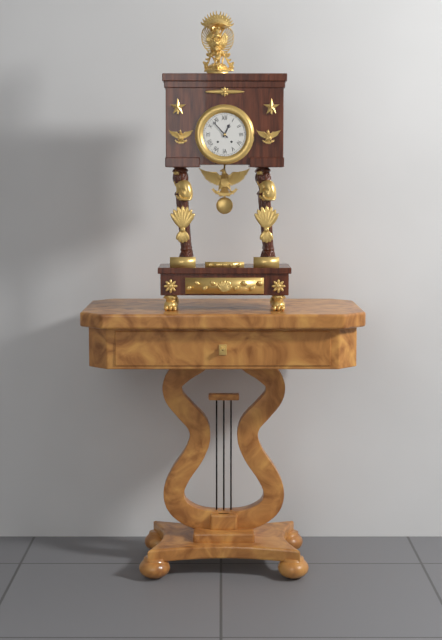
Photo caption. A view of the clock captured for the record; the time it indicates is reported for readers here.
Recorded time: 12:53
